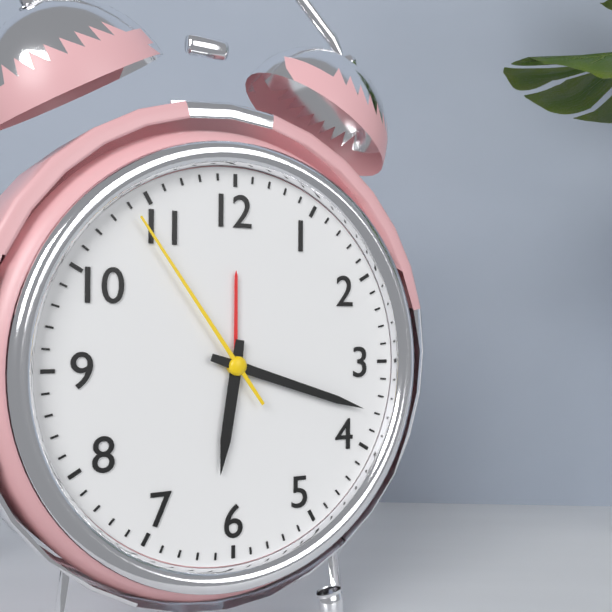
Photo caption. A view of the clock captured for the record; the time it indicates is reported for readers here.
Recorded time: 6:18:54
